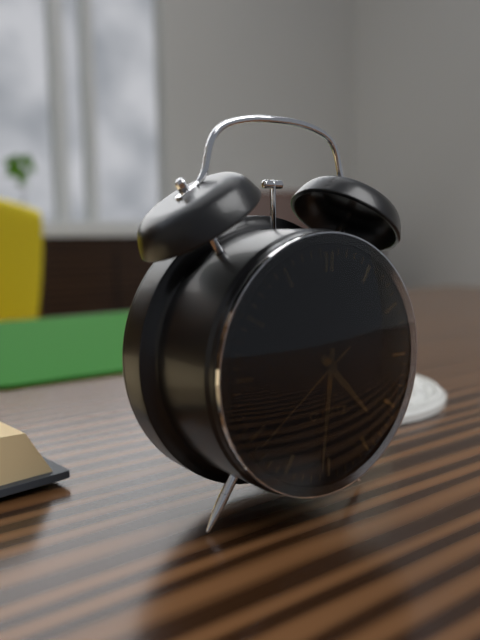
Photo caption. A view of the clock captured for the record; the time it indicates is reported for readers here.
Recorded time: 4:31:39
